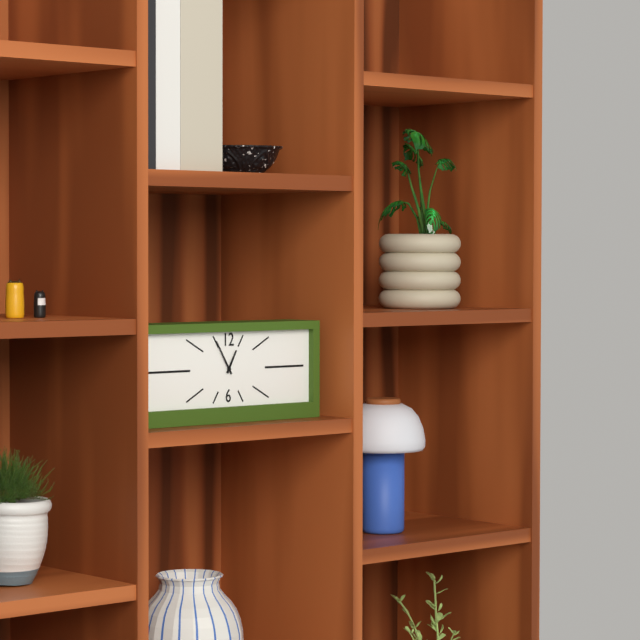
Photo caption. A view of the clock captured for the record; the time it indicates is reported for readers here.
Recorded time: 12:55
